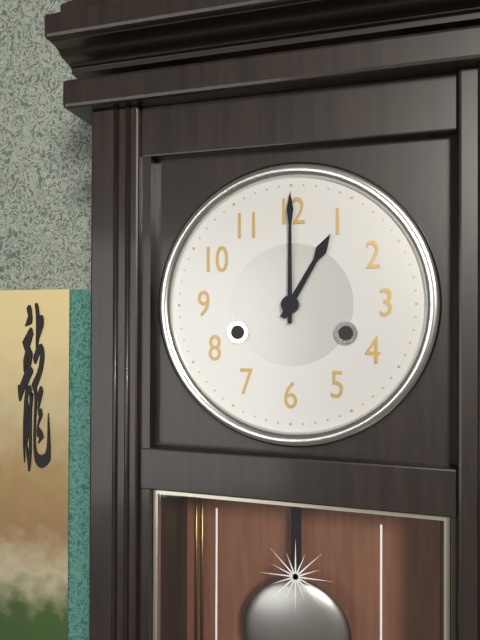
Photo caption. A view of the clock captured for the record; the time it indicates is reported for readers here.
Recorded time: 1:00
